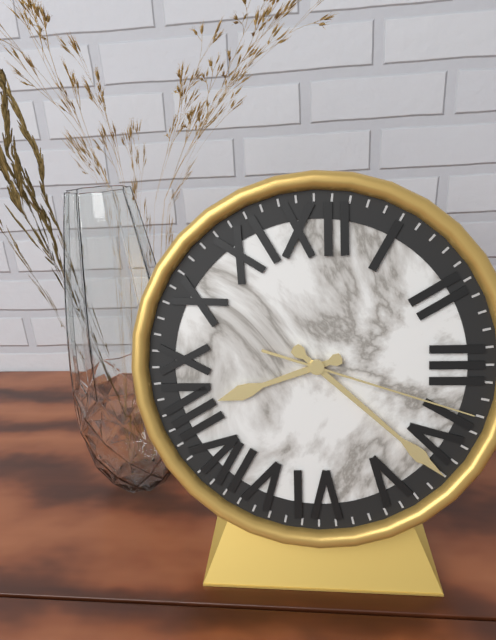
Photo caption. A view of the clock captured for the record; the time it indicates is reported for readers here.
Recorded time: 8:22:18
